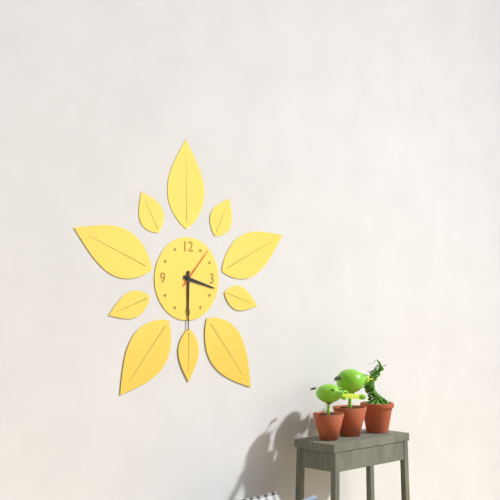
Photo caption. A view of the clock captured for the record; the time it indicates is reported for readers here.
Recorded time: 3:30
